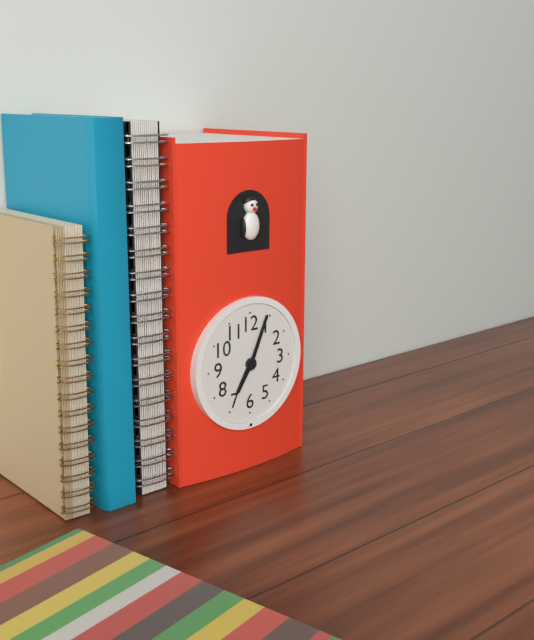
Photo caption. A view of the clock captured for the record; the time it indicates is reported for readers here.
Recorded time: 7:04
